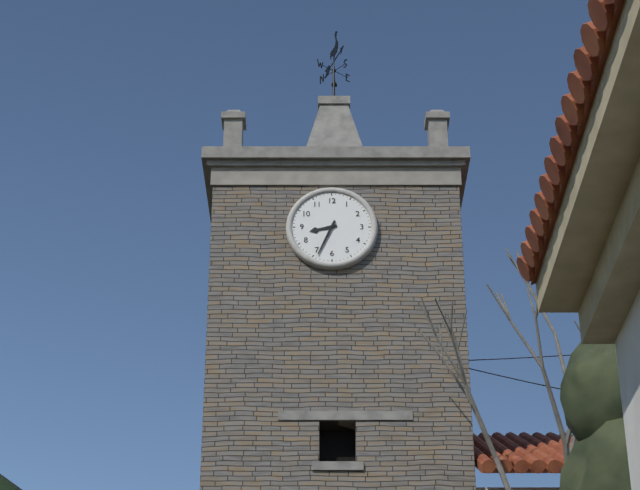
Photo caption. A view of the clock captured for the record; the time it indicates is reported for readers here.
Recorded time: 8:34
